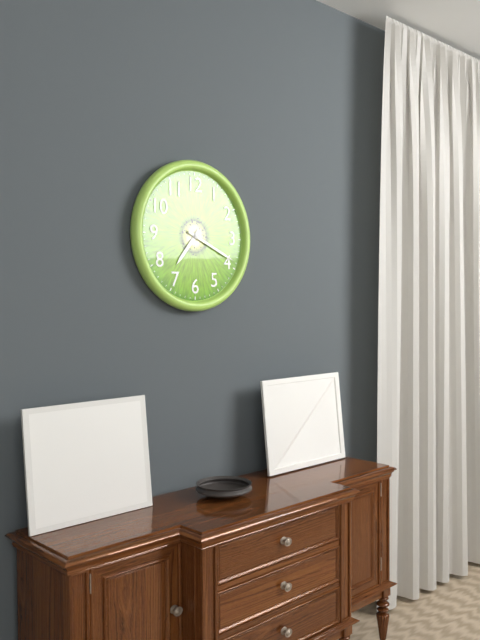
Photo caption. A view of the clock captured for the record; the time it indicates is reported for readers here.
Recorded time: 7:19
